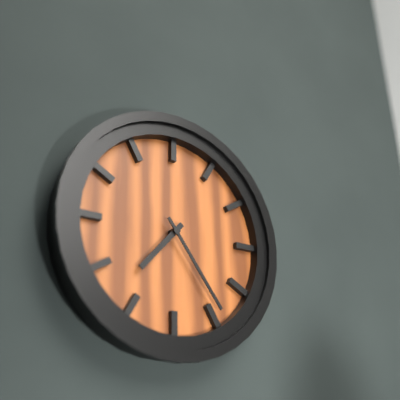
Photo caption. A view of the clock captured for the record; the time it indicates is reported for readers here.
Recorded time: 7:24
